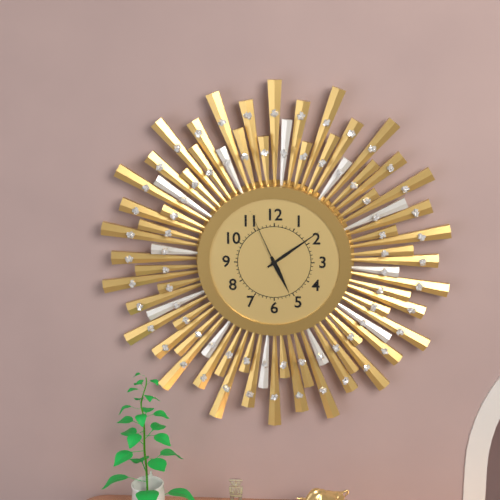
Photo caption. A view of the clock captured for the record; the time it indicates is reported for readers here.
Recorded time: 5:09:56
